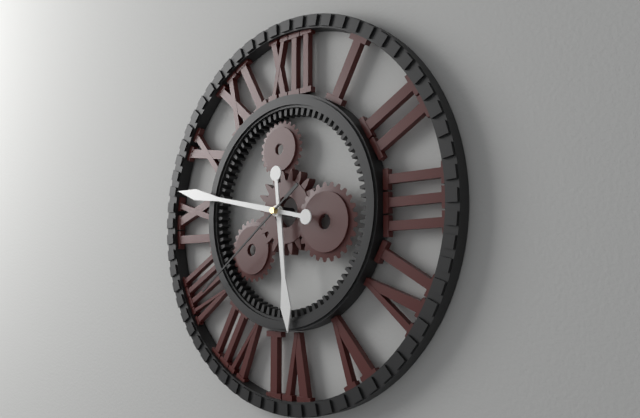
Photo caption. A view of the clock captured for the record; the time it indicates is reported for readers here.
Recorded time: 5:47:39
